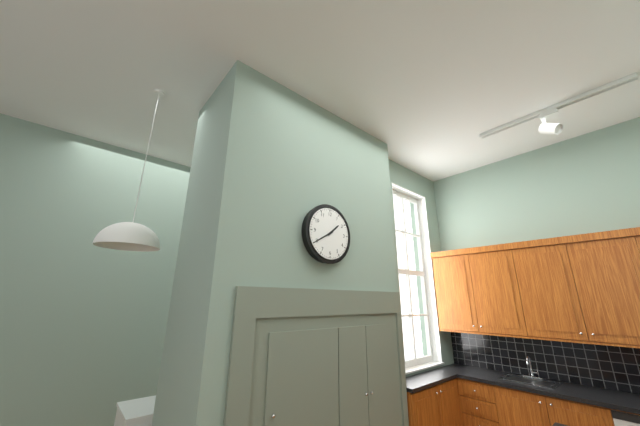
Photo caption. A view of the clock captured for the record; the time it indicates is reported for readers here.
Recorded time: 1:40
